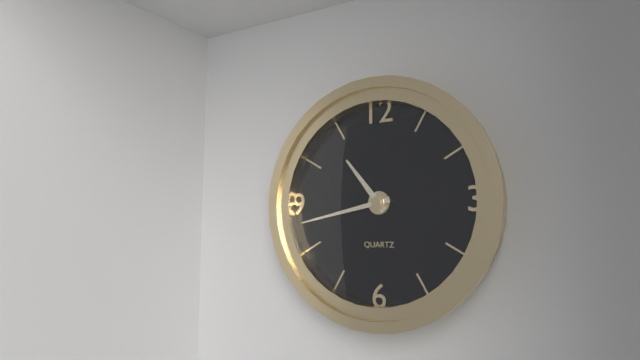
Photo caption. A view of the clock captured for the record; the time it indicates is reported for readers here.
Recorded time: 10:43
